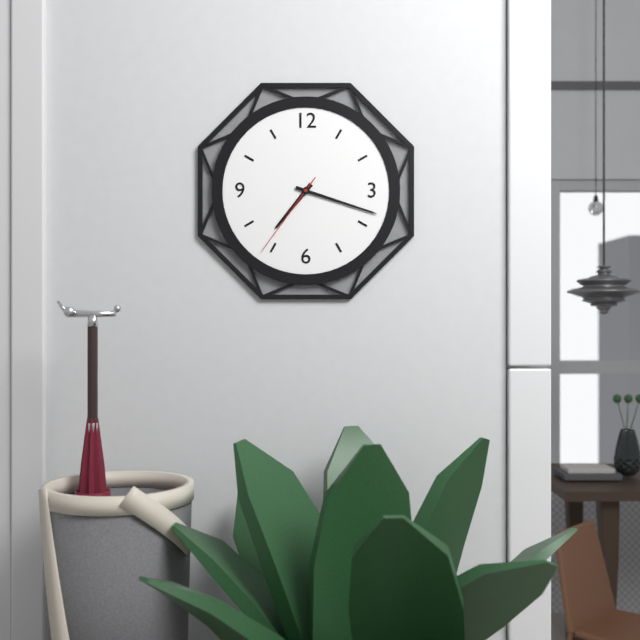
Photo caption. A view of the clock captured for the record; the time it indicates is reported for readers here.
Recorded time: 7:18:36
